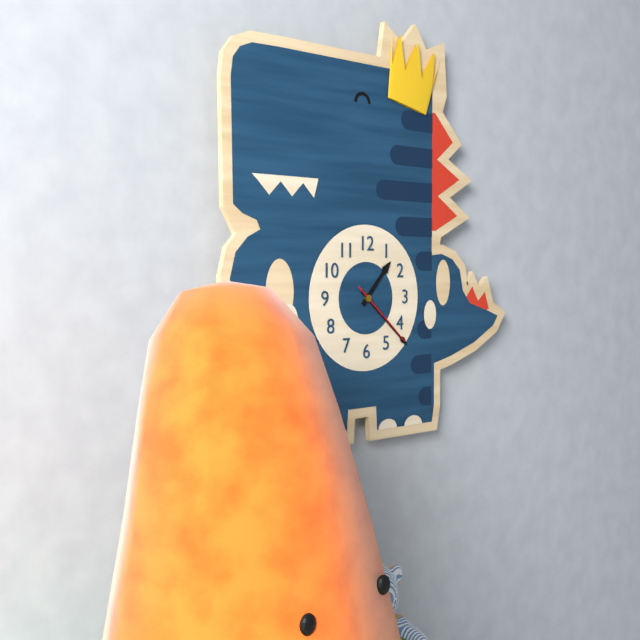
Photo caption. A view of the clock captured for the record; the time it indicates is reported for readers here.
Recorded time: 1:22:22
